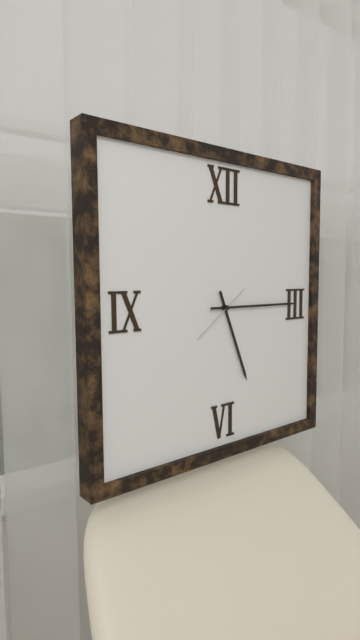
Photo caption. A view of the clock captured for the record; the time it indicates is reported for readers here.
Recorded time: 5:15:39
